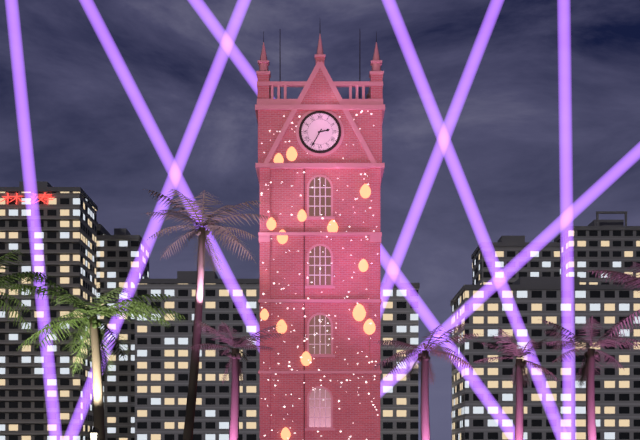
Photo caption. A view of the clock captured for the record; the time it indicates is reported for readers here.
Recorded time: 2:35
